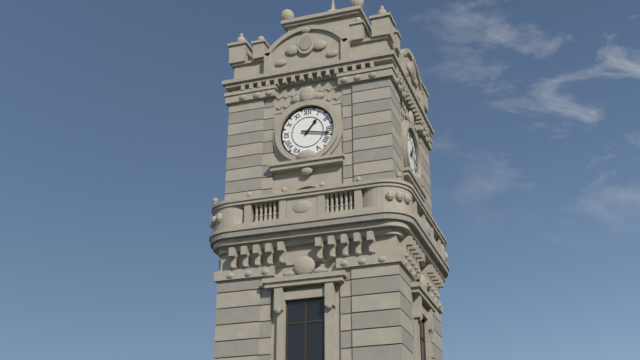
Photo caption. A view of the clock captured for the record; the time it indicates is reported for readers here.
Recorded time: 1:17
